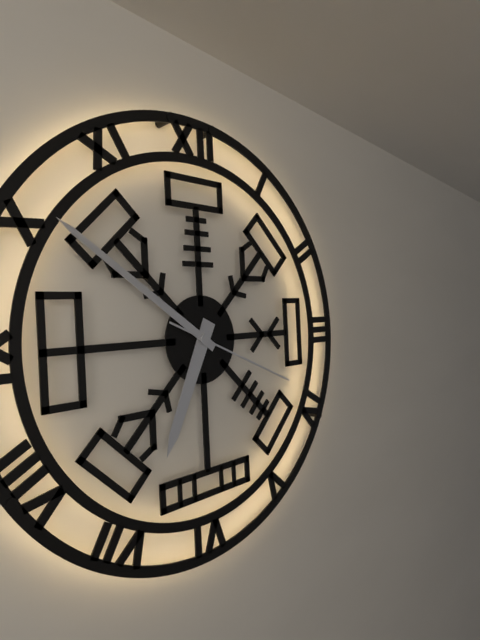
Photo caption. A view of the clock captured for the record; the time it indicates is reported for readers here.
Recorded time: 6:51:19
